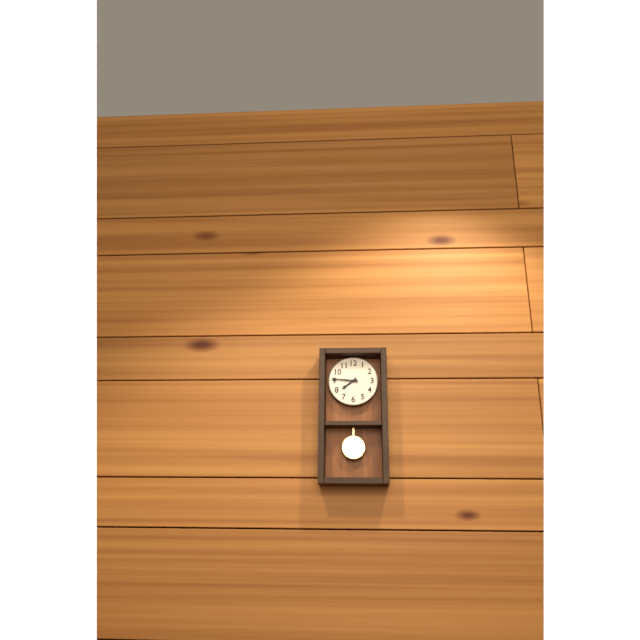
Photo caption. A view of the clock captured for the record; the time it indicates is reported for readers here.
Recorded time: 7:46
